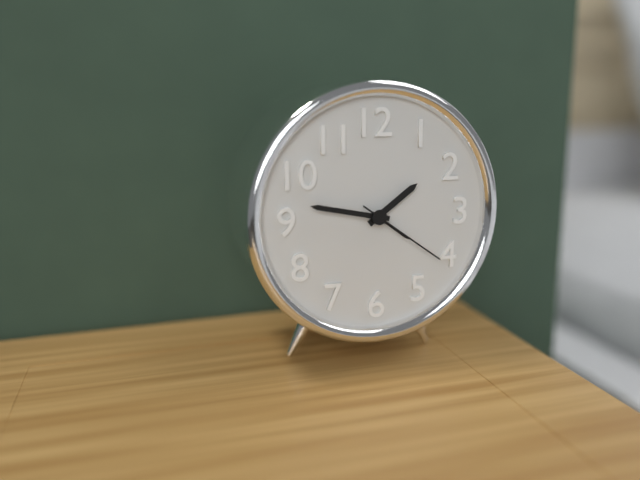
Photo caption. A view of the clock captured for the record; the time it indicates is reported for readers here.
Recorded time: 1:47:21
